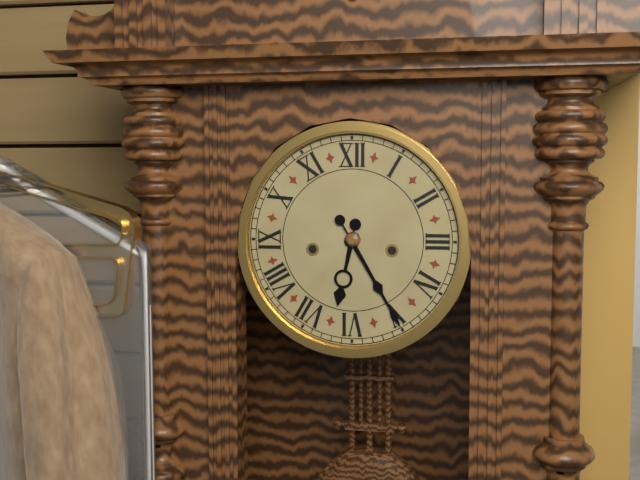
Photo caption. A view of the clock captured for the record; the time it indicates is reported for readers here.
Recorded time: 6:25
